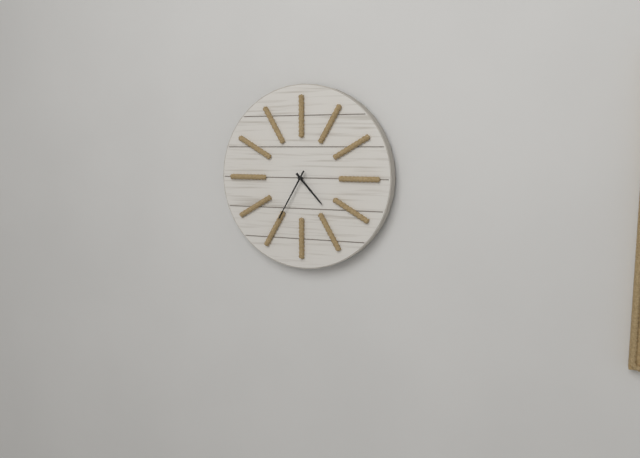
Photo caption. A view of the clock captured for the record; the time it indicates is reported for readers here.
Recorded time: 4:35
